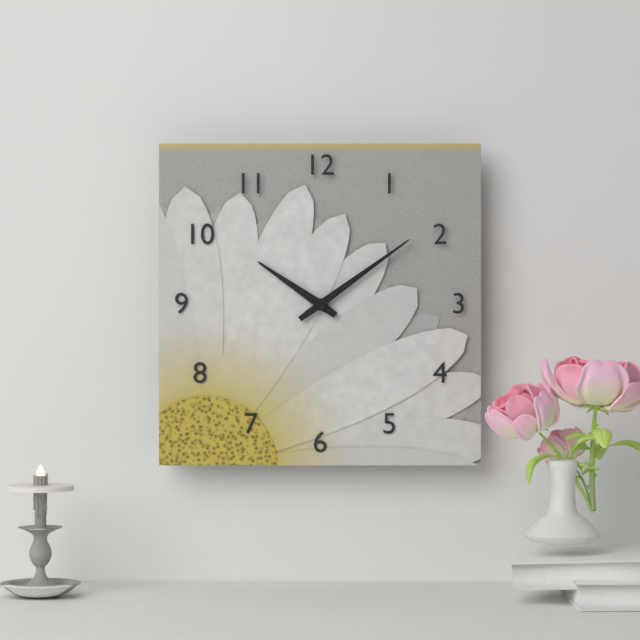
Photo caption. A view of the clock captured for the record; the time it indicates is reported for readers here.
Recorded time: 10:09
